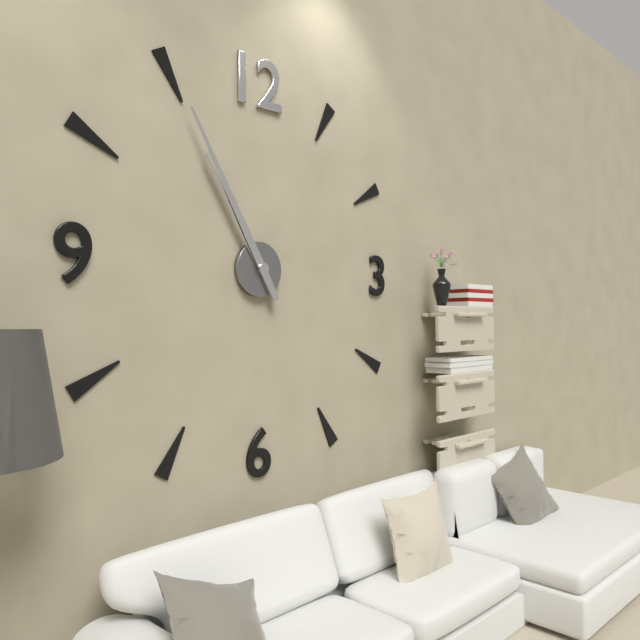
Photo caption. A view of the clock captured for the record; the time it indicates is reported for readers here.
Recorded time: 10:55
